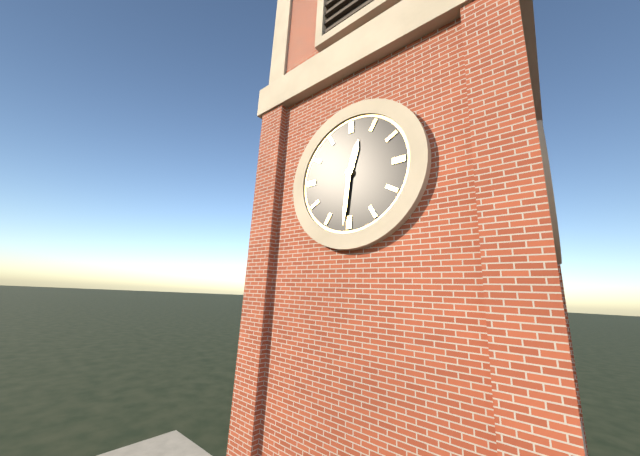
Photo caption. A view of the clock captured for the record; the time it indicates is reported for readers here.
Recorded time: 12:31
